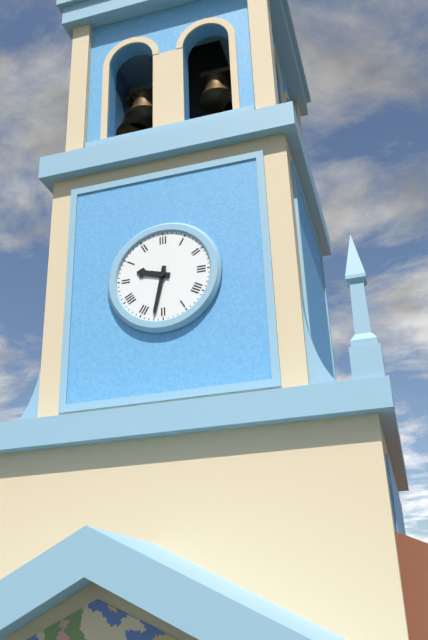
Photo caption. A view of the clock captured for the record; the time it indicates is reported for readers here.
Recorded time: 9:32
